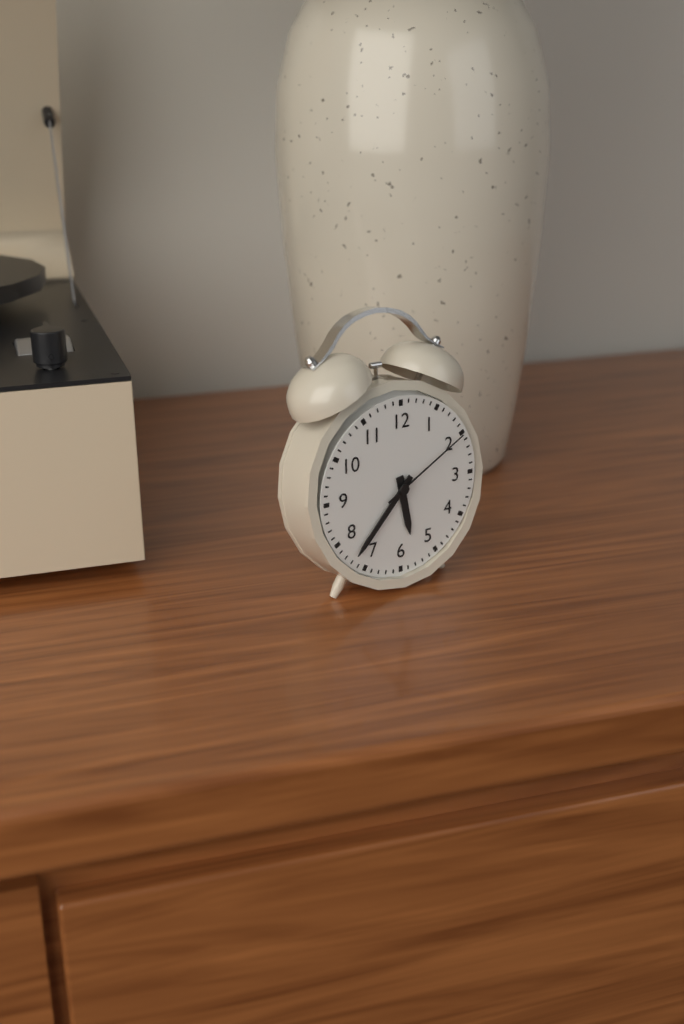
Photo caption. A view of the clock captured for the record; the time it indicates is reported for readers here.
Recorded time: 5:37:10
